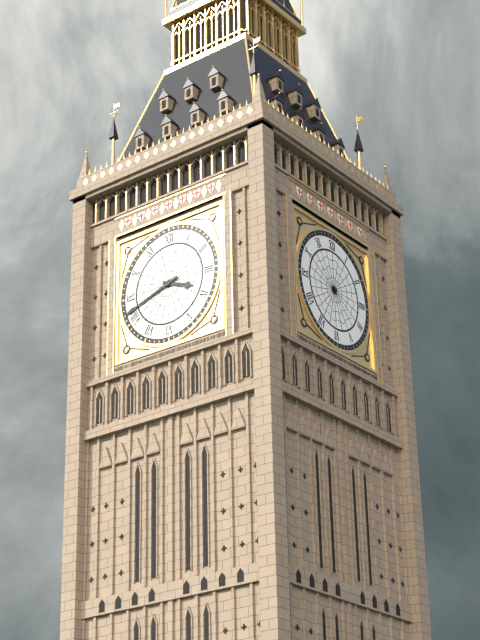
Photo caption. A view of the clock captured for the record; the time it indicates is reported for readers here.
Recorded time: 3:42
